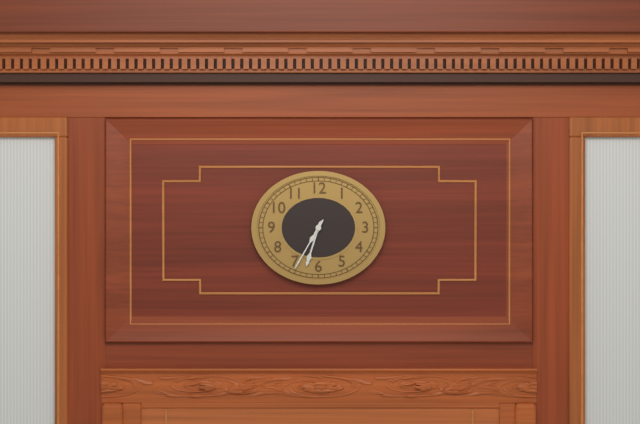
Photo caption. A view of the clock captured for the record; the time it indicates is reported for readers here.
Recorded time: 6:35
